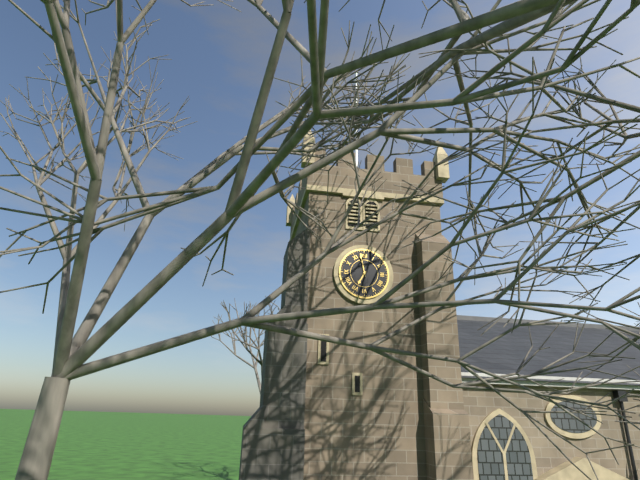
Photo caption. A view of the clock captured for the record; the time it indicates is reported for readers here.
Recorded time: 6:58
